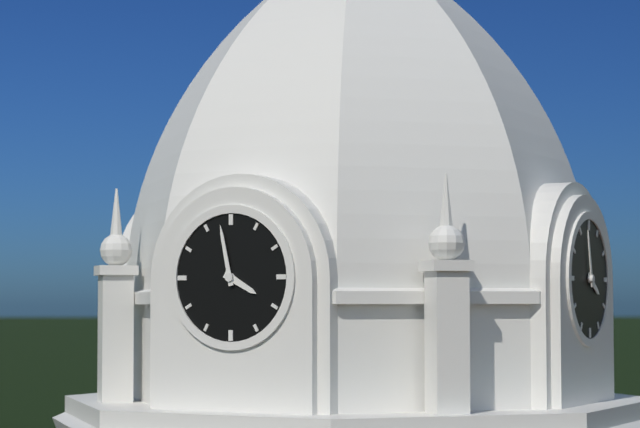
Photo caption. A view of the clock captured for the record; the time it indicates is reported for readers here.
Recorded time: 3:58
